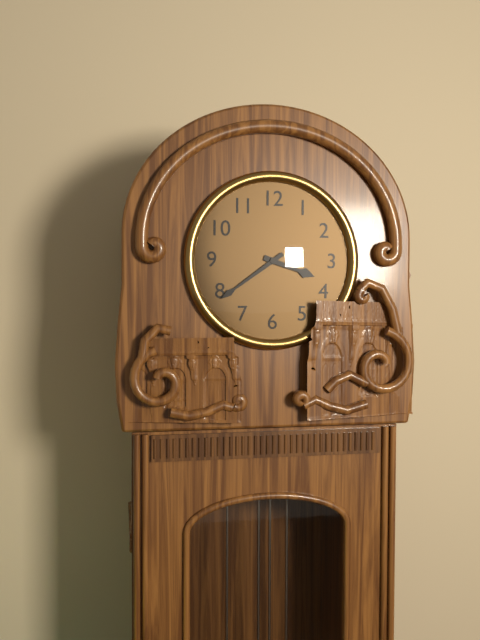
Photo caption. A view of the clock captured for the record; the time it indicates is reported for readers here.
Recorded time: 3:39
